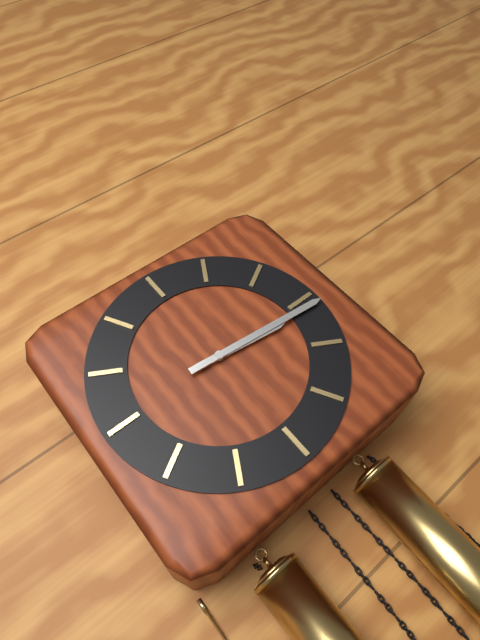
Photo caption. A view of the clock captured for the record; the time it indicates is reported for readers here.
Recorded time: 3:16
